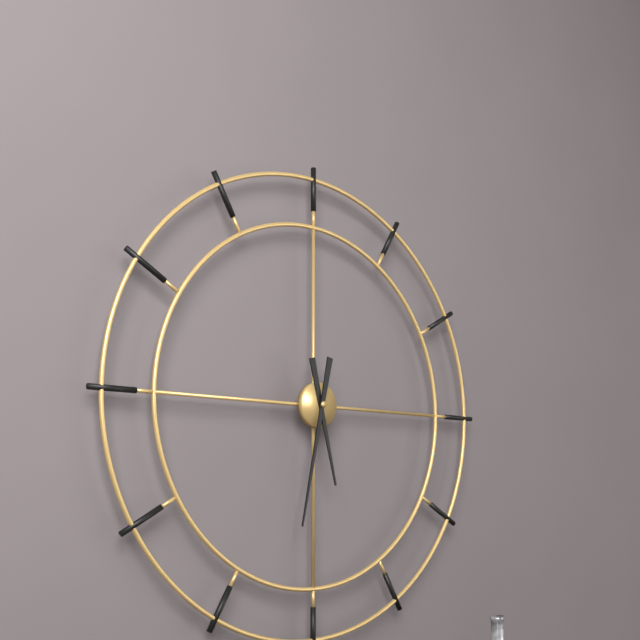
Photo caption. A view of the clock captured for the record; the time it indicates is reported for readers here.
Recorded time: 5:32
